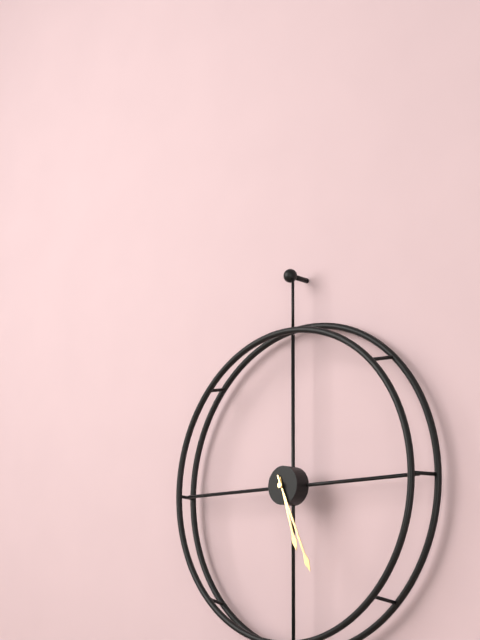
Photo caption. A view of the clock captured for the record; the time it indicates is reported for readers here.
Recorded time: 5:26
